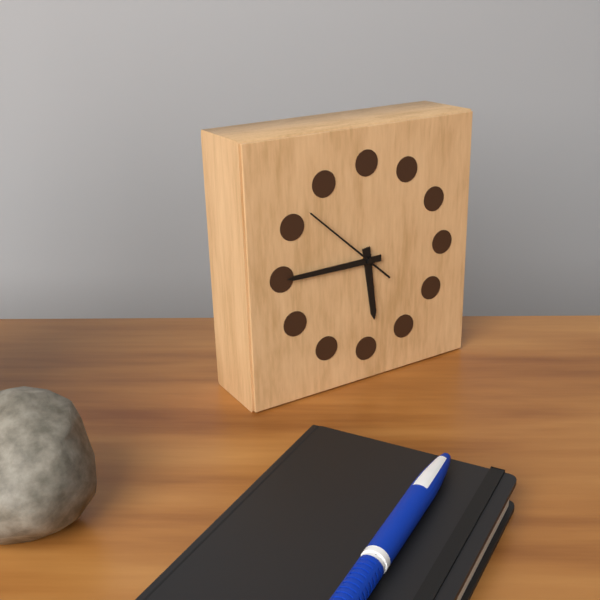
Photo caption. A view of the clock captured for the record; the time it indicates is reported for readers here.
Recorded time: 5:45:52
